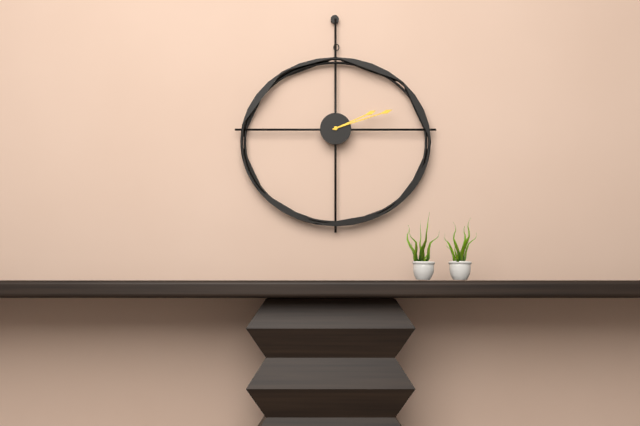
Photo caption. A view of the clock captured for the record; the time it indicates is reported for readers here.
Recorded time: 2:12
